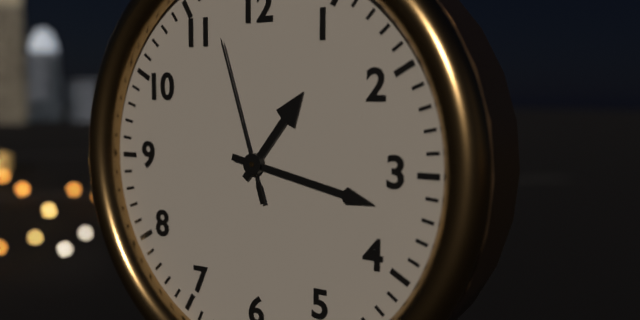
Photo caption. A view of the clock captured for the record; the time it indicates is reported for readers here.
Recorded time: 1:17:57
